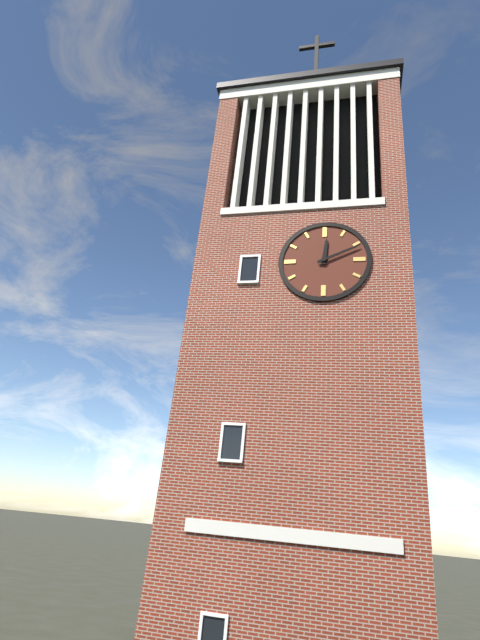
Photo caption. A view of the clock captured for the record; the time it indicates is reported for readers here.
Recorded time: 12:11
